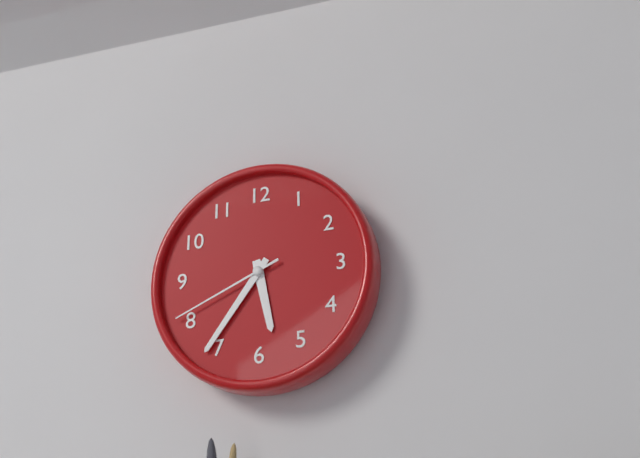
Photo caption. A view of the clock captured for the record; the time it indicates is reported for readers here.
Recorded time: 5:36:41
